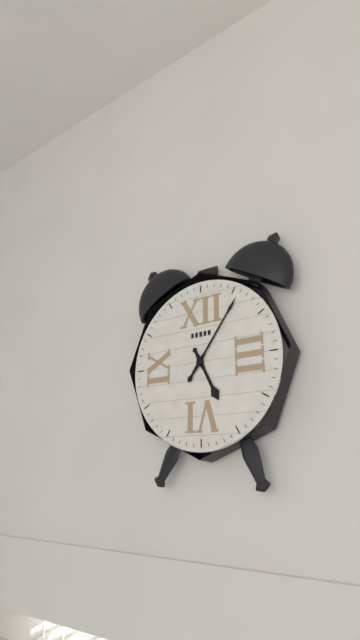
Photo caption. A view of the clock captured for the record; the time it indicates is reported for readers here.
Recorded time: 5:06
